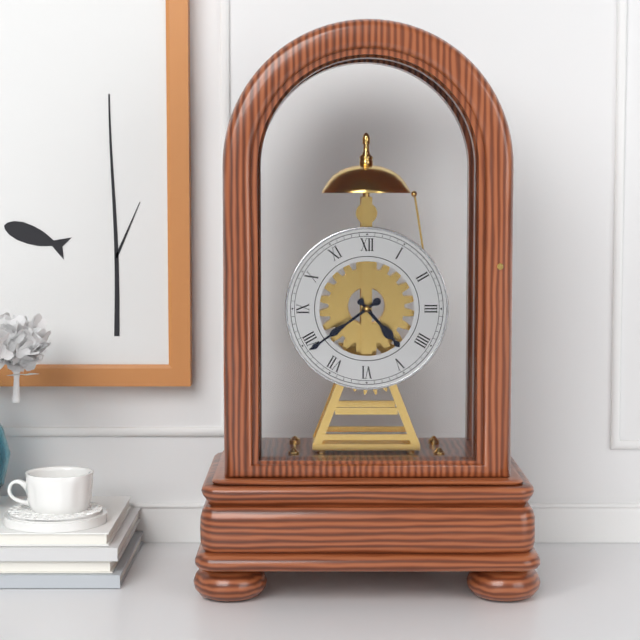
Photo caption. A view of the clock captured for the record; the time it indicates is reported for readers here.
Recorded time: 4:39
